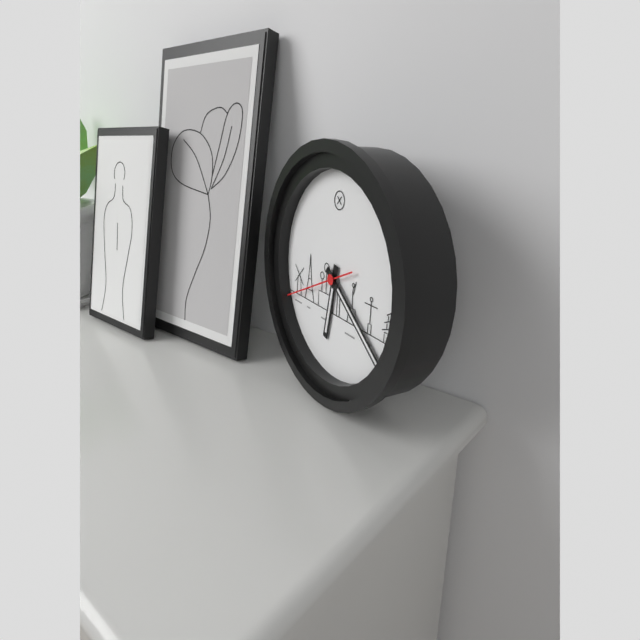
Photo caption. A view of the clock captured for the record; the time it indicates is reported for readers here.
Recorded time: 6:21:41
